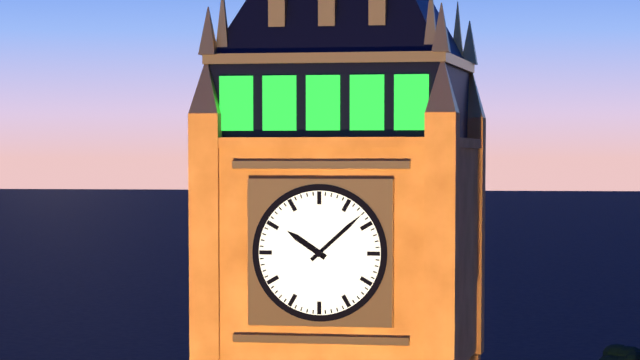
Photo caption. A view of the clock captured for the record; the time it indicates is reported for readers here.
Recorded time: 10:08
